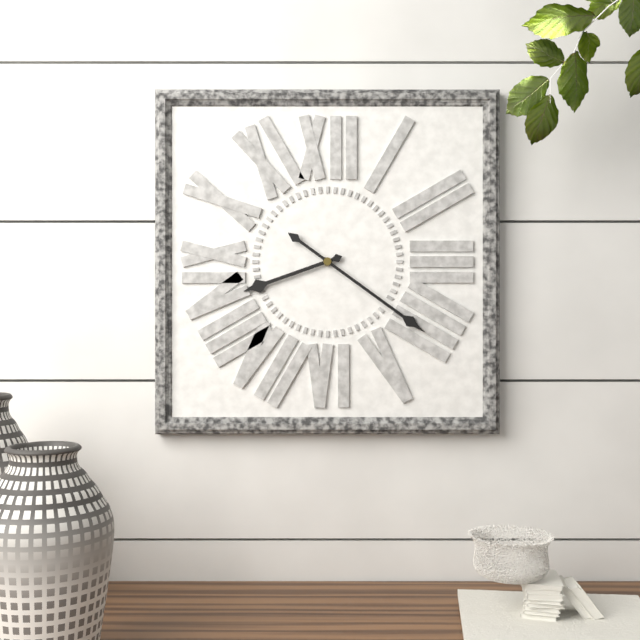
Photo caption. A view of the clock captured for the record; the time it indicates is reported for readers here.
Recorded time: 8:21
